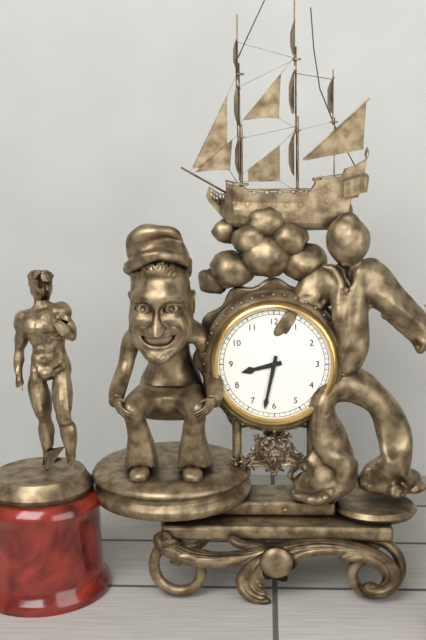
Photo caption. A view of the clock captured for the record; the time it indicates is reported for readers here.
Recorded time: 8:32
